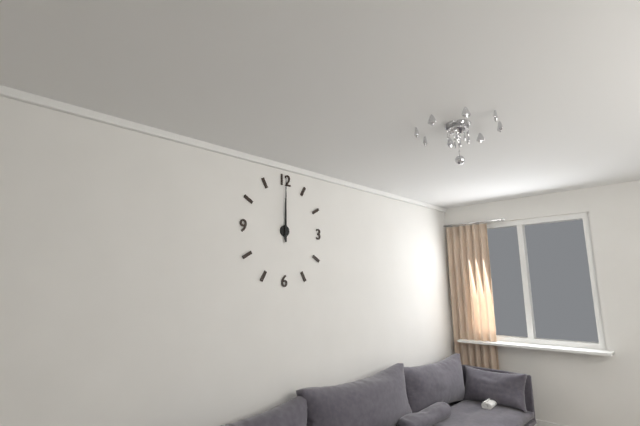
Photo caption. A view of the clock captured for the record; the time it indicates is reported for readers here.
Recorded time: 12:00
